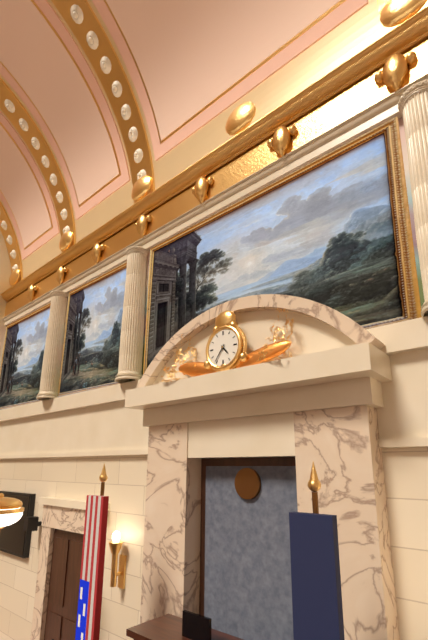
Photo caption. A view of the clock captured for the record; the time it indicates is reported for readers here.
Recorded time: 4:36
